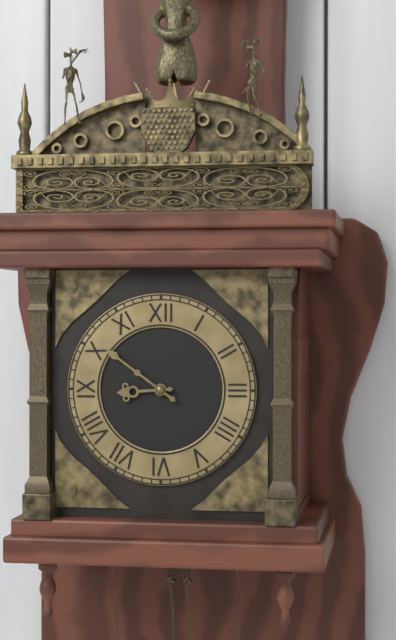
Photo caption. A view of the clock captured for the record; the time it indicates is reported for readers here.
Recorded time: 8:51
